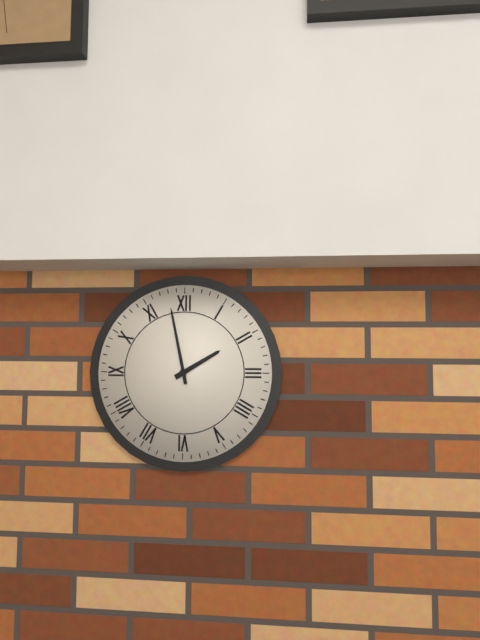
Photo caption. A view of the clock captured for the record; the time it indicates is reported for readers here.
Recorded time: 1:58
